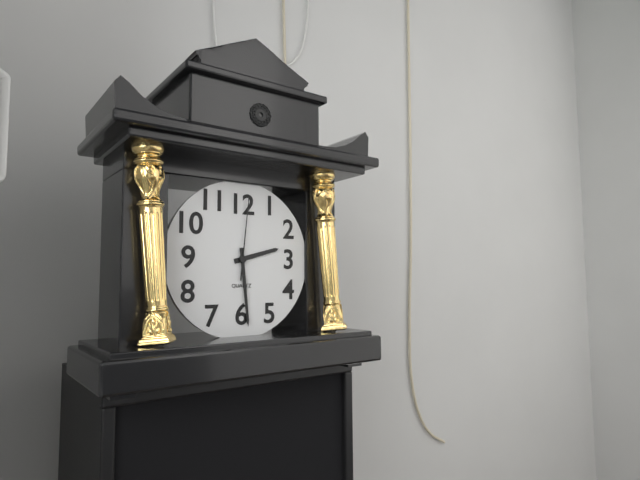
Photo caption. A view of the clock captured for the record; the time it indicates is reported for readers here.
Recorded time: 2:29:01
